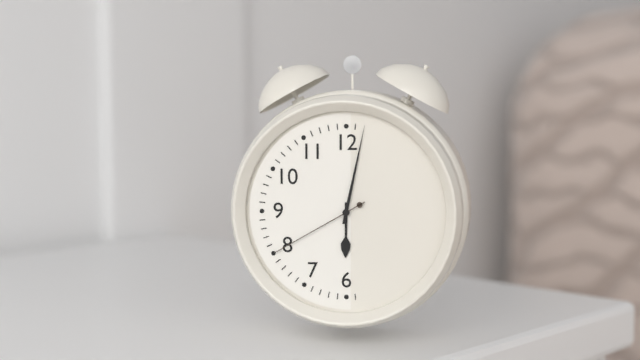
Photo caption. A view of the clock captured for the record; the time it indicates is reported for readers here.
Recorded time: 6:02:40
